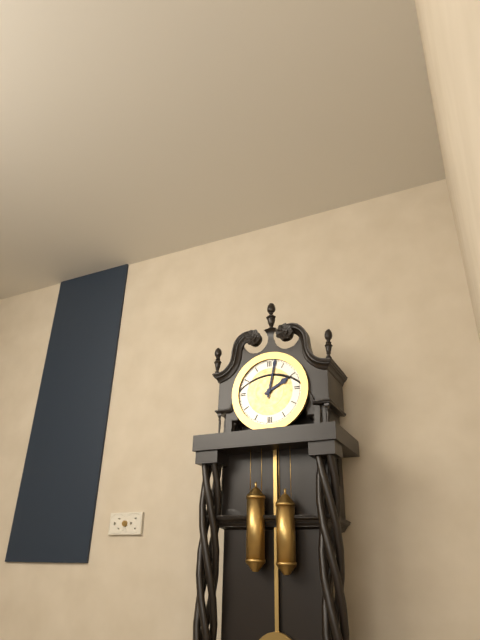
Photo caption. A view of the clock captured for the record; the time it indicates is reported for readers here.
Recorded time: 2:02
